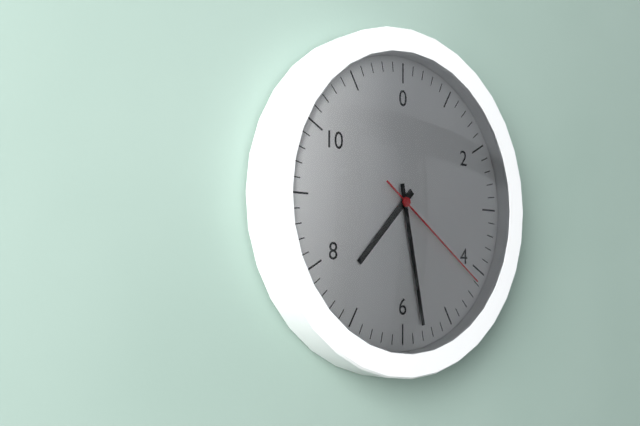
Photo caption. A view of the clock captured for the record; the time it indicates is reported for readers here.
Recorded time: 7:28:21
